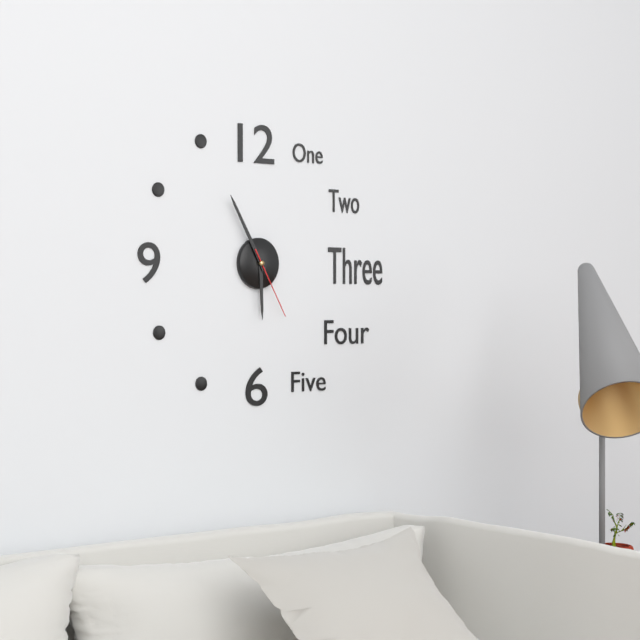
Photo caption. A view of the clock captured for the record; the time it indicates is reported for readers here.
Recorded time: 5:55:25
